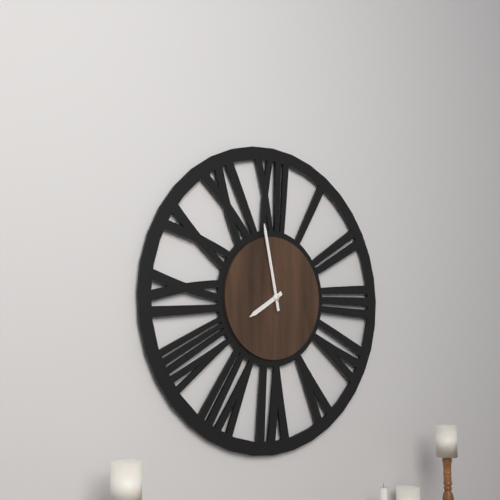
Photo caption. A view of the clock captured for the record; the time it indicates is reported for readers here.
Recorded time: 7:58
